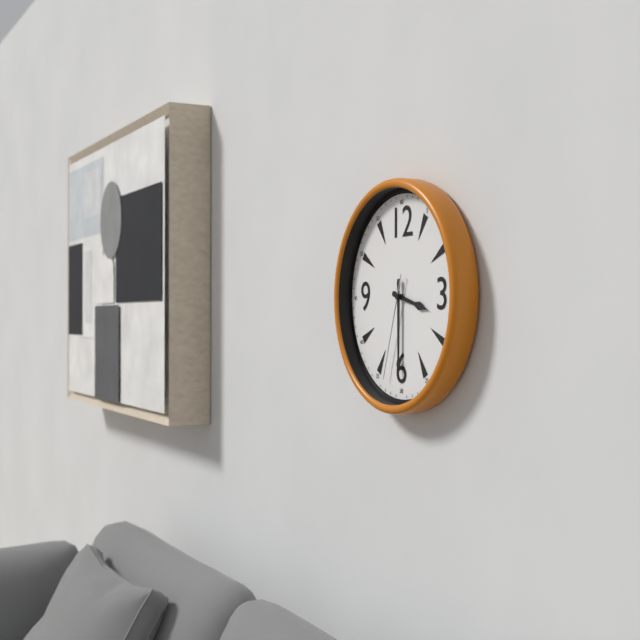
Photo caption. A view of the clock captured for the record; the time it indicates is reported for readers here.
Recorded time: 3:30:33
